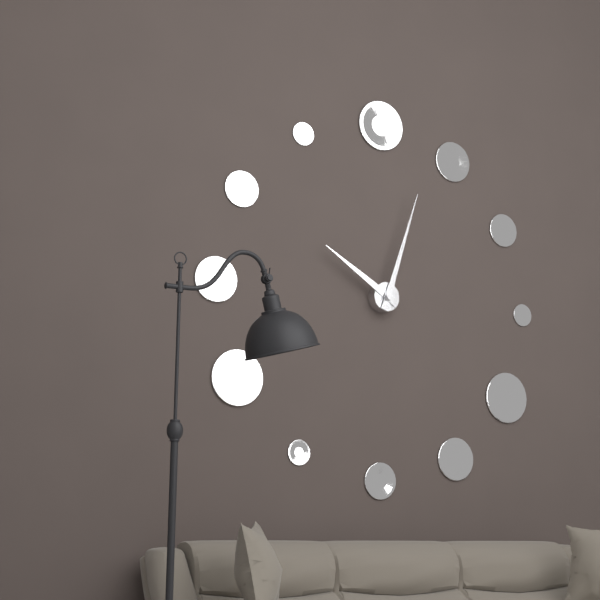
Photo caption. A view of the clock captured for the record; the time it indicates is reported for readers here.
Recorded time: 10:03
